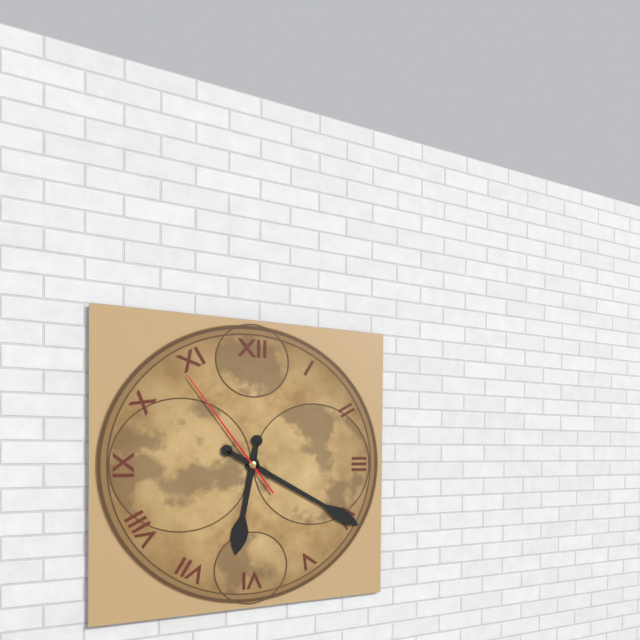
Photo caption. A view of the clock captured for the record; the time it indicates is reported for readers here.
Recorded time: 6:20:54
